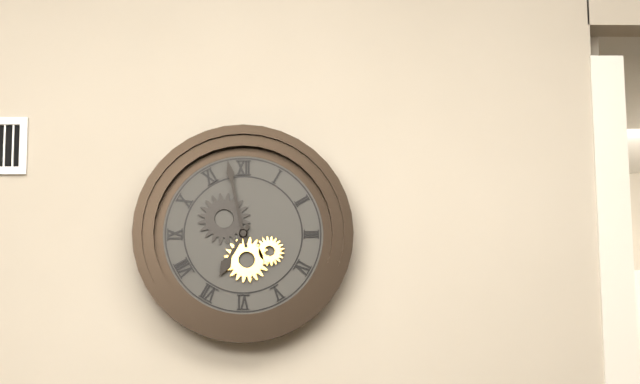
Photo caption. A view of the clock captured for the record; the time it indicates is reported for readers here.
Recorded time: 6:58
